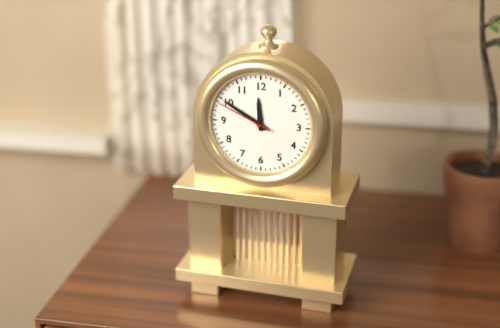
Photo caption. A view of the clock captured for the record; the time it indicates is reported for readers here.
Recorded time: 11:50:49
